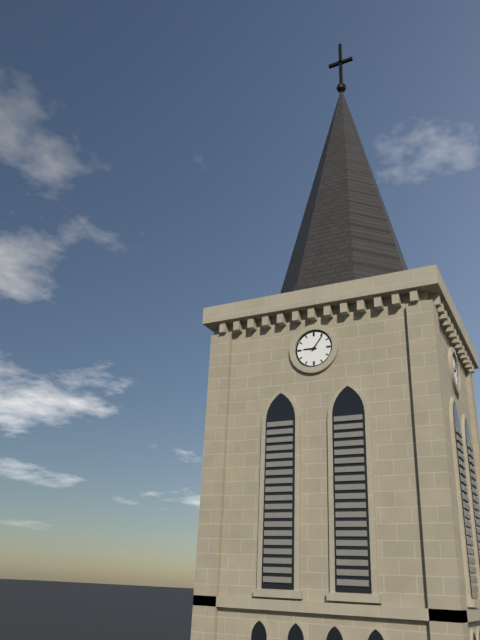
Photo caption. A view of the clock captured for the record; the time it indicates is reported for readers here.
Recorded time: 9:06
